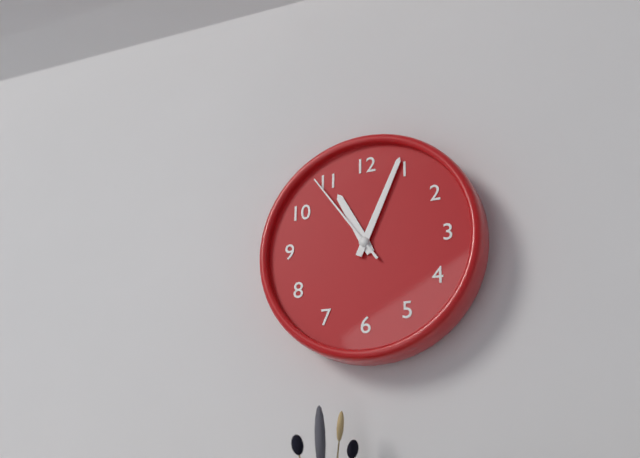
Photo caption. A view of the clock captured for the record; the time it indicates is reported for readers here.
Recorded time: 11:04:54
